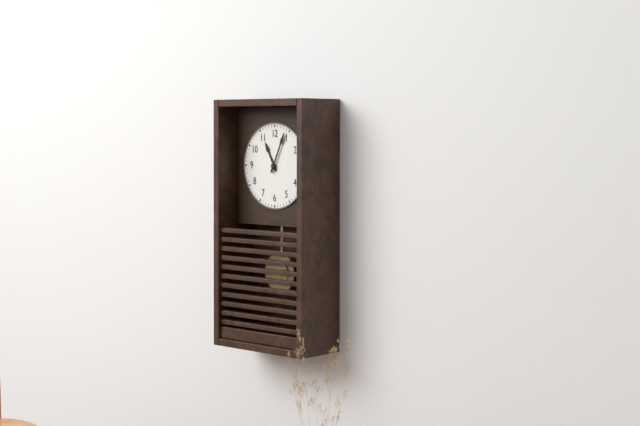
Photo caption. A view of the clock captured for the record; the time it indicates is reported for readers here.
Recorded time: 11:04
